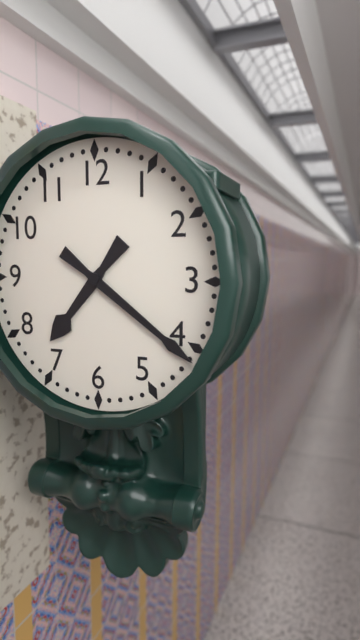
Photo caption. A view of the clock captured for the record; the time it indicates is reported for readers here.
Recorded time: 7:21
